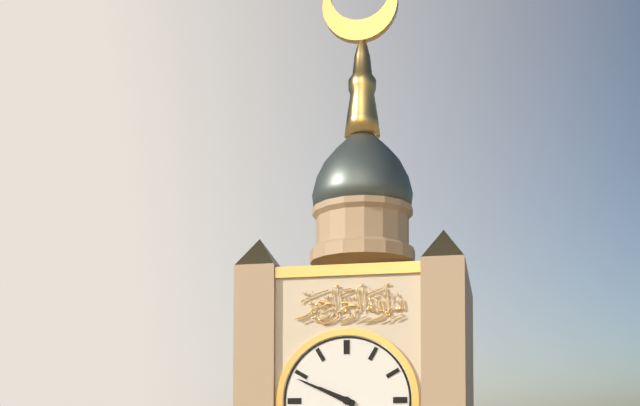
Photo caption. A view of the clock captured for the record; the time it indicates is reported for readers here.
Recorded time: 9:49
